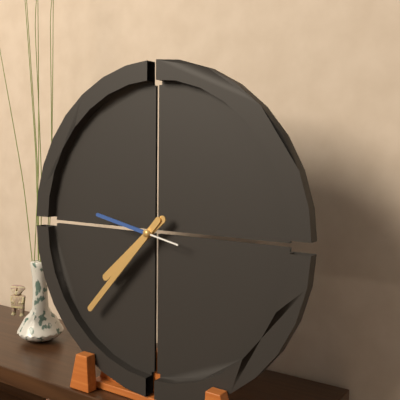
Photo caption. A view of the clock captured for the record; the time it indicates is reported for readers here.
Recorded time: 7:37:47
